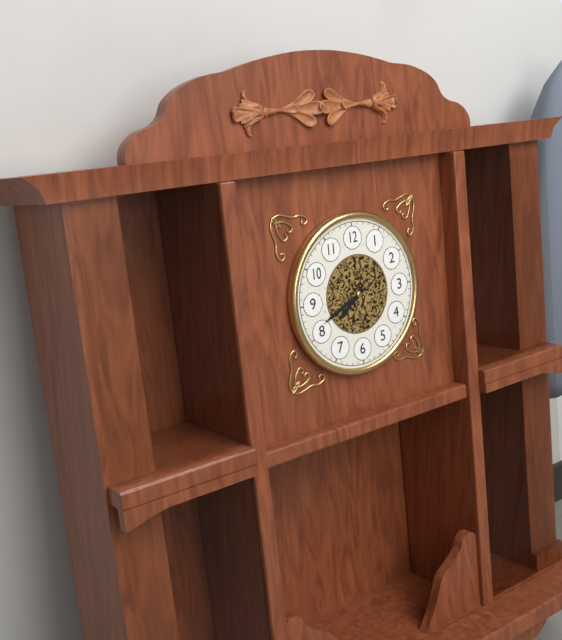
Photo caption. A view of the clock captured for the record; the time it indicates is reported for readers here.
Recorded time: 7:41
